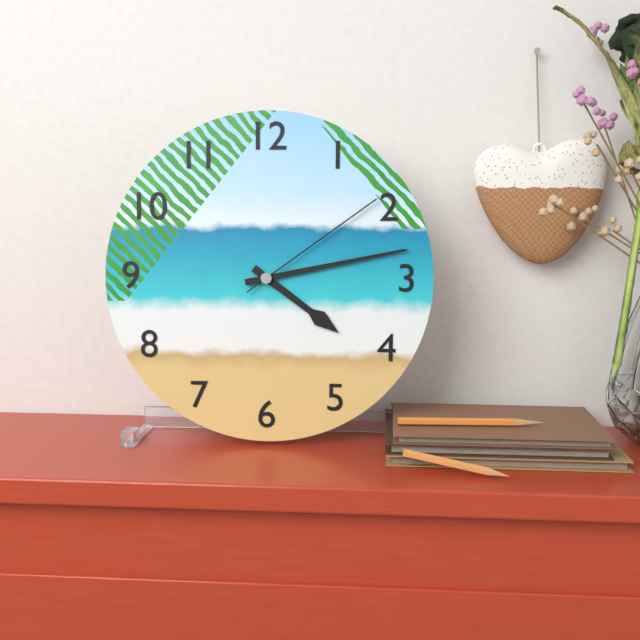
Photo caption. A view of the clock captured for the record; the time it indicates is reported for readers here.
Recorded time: 4:13:09
